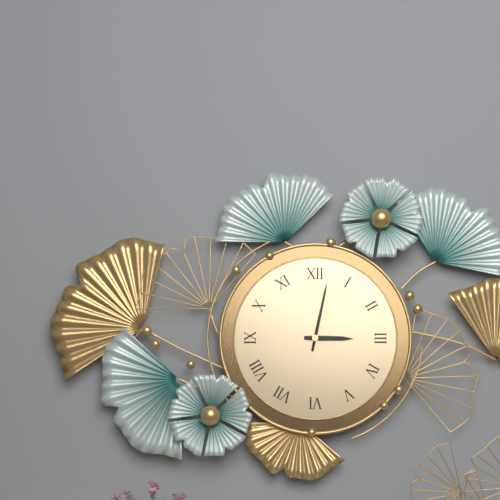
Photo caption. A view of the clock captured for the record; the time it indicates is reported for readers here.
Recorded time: 3:02
